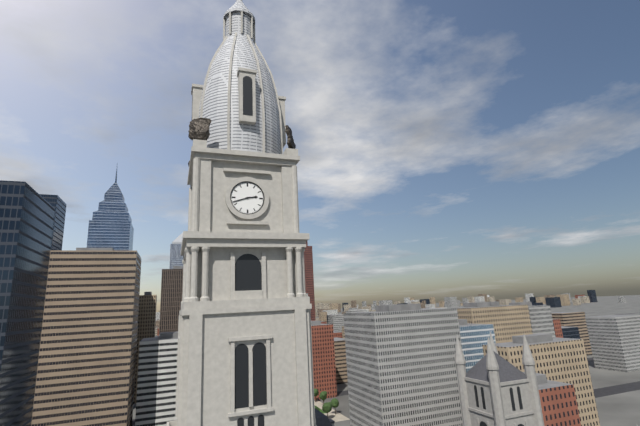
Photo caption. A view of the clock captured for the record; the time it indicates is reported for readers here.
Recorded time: 2:42
